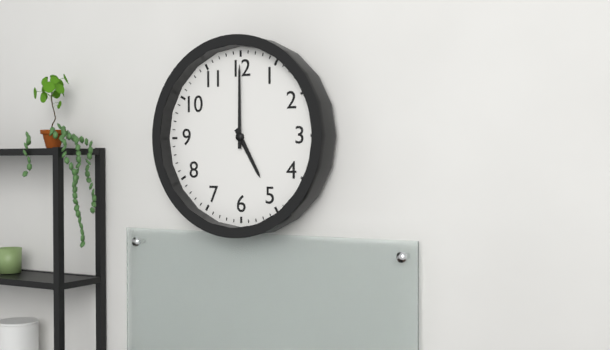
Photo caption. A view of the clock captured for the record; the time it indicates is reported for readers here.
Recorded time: 5:00
